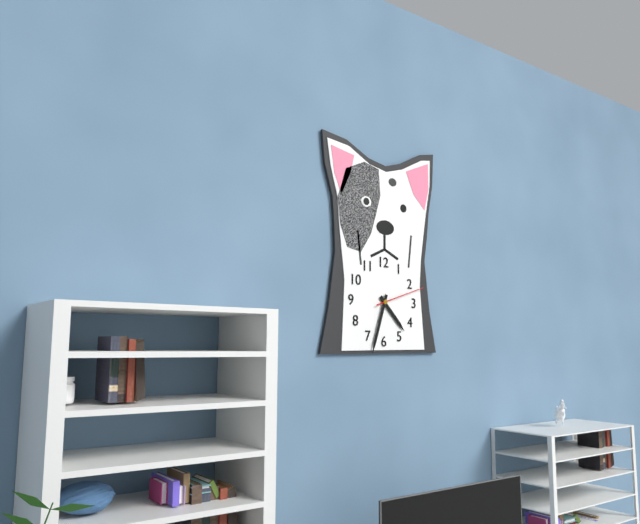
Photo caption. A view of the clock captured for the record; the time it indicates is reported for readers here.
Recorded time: 4:33:12
